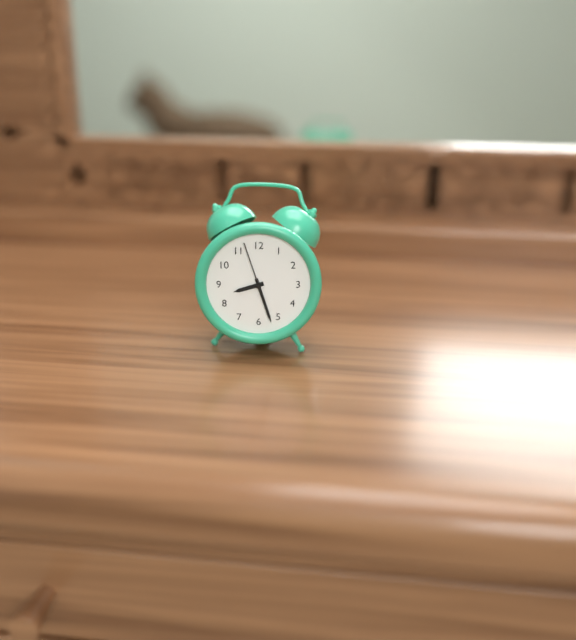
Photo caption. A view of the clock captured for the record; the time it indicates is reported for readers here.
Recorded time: 8:27:57
